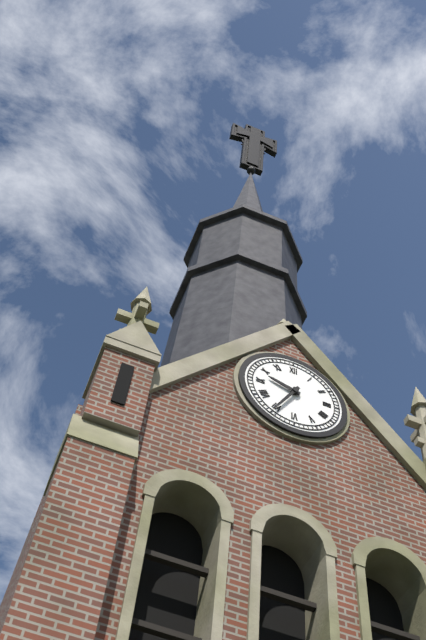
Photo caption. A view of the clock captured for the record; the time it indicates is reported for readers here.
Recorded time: 9:35
